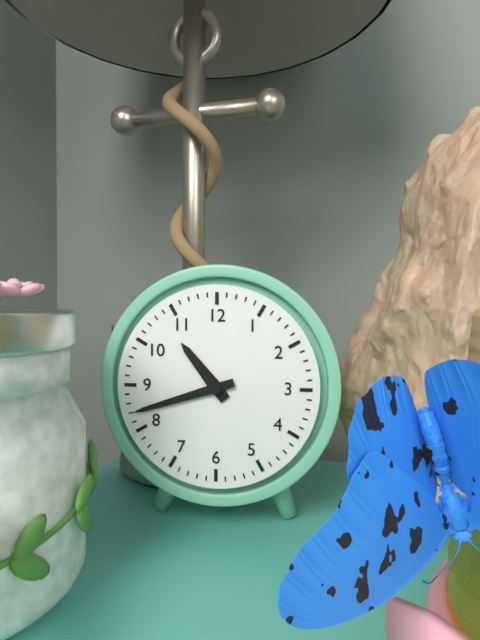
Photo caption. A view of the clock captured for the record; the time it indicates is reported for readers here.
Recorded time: 10:42
